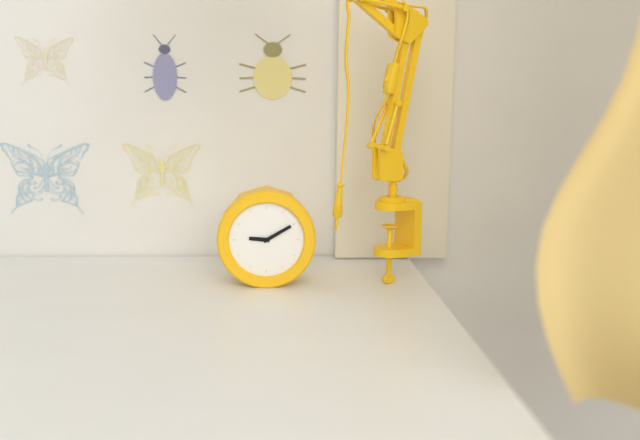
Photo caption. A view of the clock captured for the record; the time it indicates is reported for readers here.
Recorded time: 9:10
